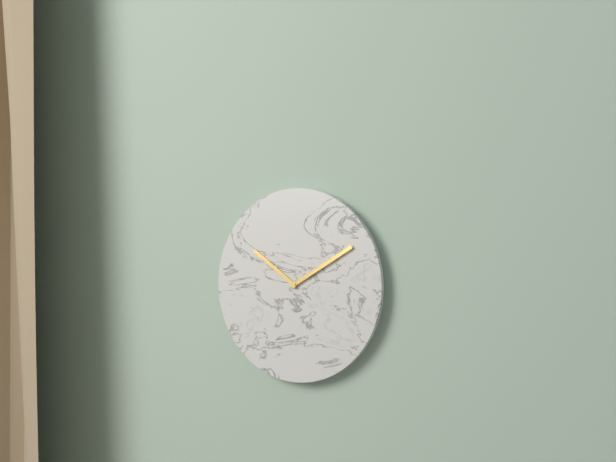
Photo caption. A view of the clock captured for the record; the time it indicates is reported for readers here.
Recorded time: 10:10
